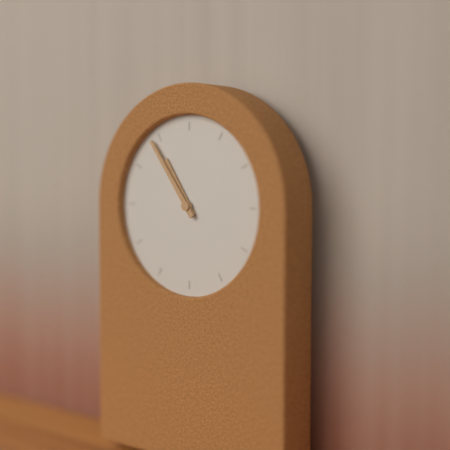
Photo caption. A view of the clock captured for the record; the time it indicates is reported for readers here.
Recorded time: 10:54
